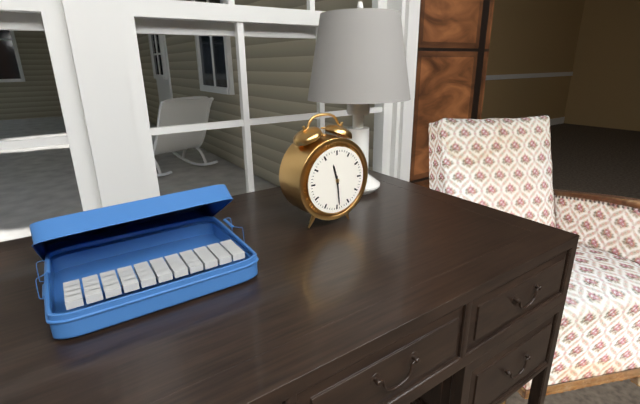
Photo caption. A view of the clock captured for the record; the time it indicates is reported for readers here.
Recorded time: 11:29
